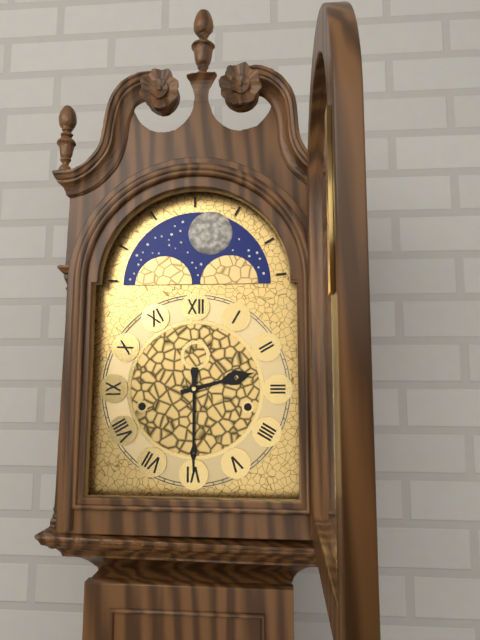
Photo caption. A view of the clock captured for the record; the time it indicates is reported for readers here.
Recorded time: 2:30
